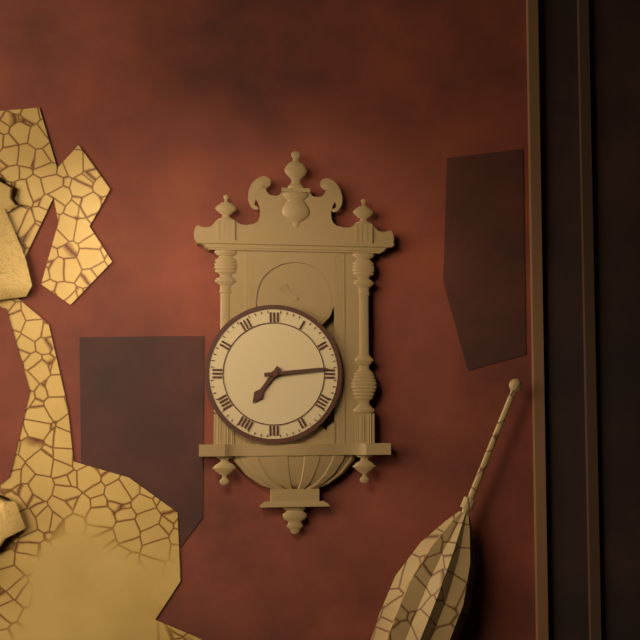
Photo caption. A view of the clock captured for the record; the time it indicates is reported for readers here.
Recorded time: 7:14
